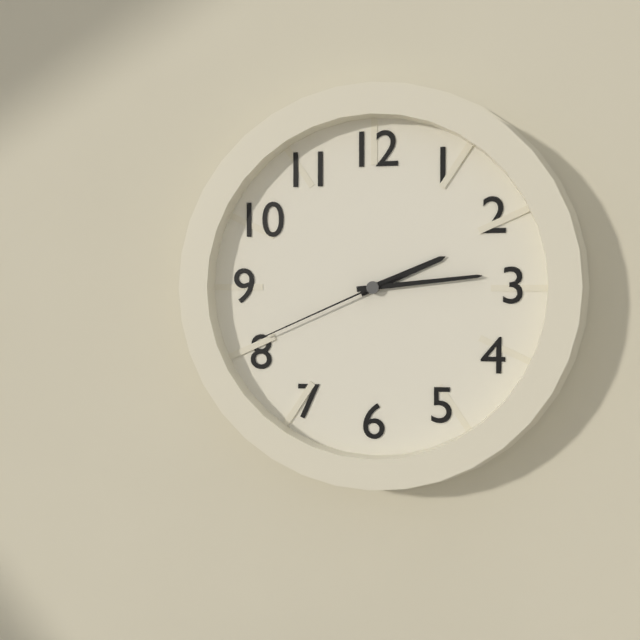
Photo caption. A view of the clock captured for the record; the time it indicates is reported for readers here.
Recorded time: 2:14:41
